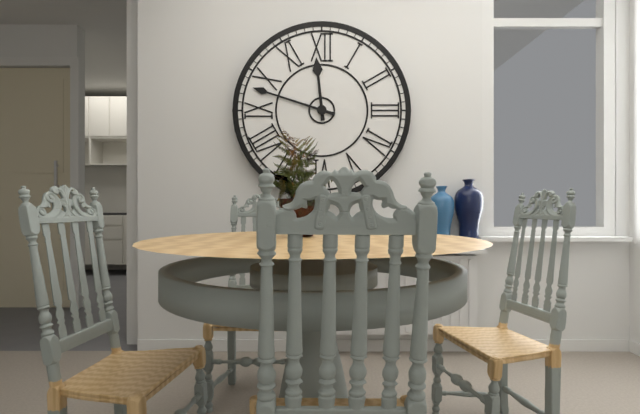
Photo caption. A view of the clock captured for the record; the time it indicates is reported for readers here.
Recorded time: 11:48
